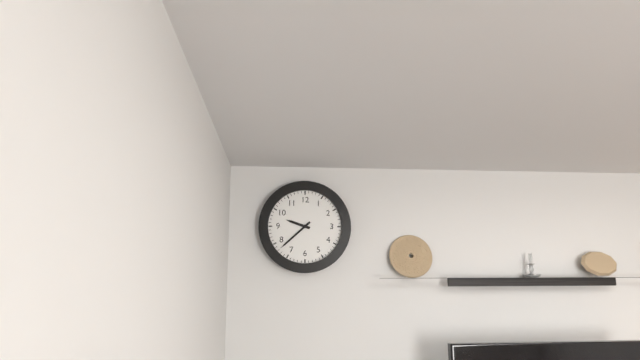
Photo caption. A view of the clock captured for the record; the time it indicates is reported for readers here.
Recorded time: 9:38
